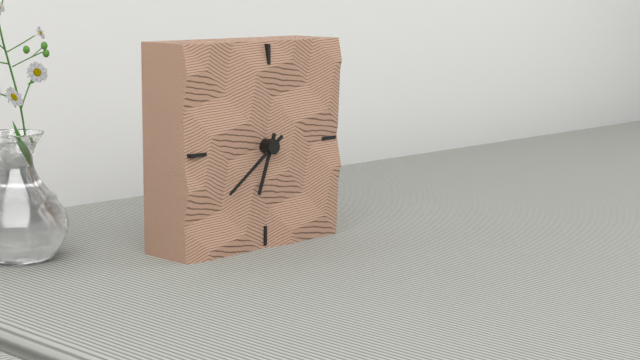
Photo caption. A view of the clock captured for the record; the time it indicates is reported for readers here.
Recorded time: 6:39
